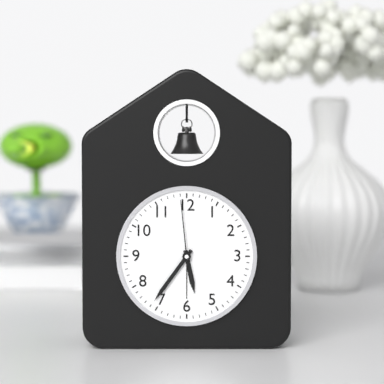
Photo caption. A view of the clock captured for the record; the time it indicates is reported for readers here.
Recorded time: 5:36:59
